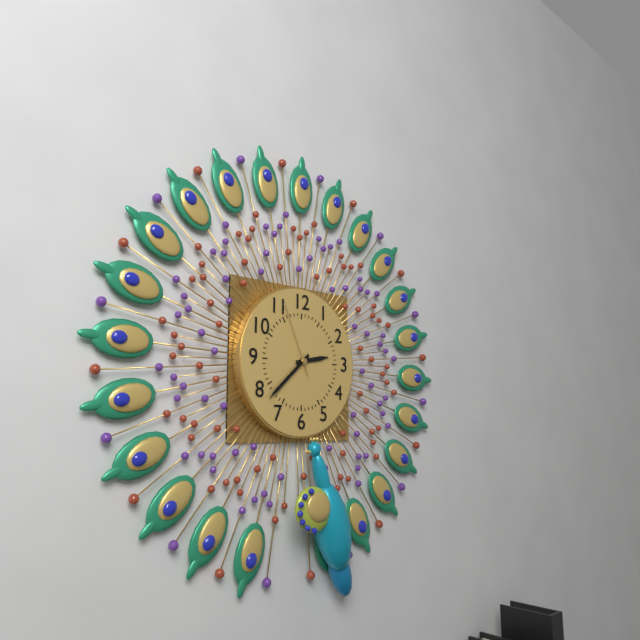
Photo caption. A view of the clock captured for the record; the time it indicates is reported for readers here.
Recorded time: 2:38:56
